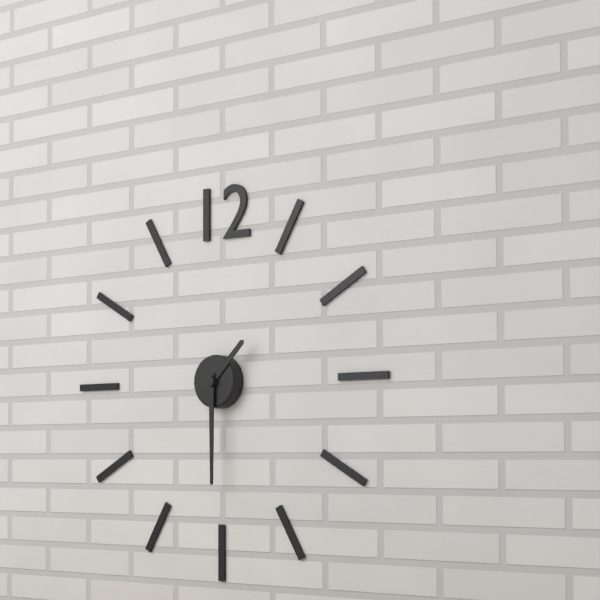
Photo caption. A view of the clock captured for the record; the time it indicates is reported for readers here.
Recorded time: 1:30
